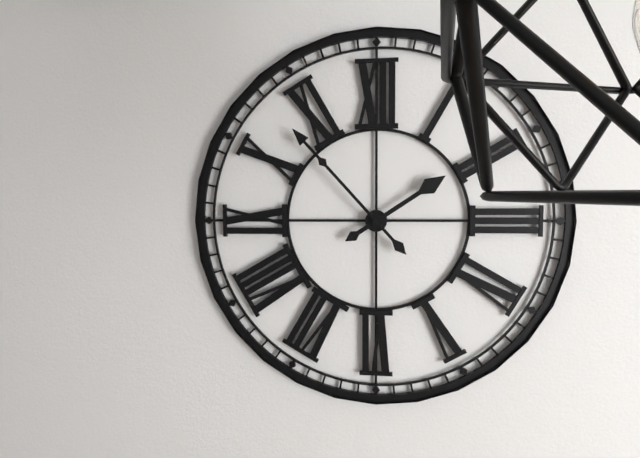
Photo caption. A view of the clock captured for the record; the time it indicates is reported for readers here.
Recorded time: 1:53
